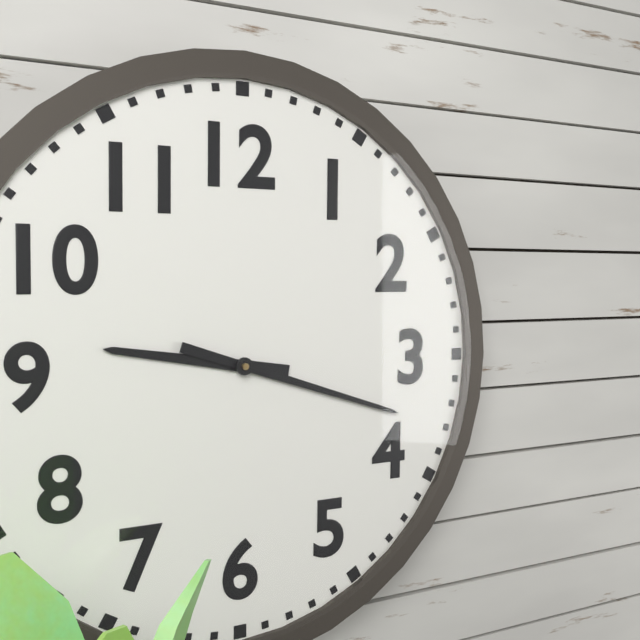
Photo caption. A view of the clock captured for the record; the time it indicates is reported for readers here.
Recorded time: 9:18
